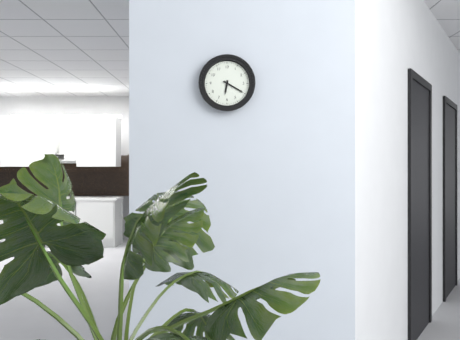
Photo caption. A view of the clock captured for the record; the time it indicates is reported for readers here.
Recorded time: 6:20
